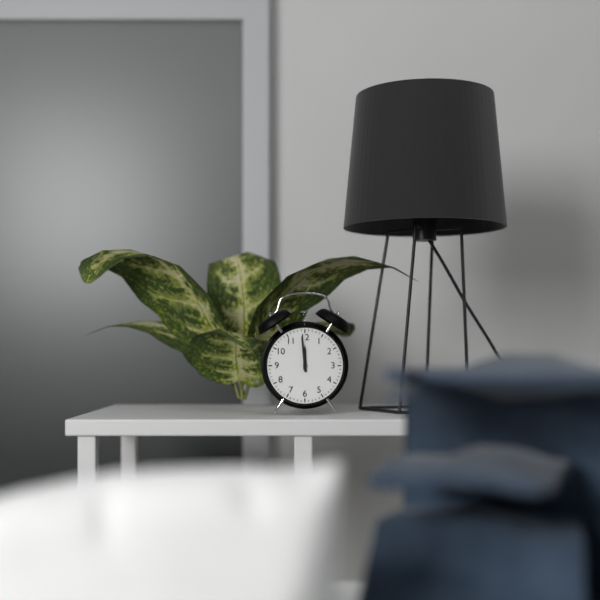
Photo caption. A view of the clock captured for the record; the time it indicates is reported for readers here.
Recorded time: 11:59
